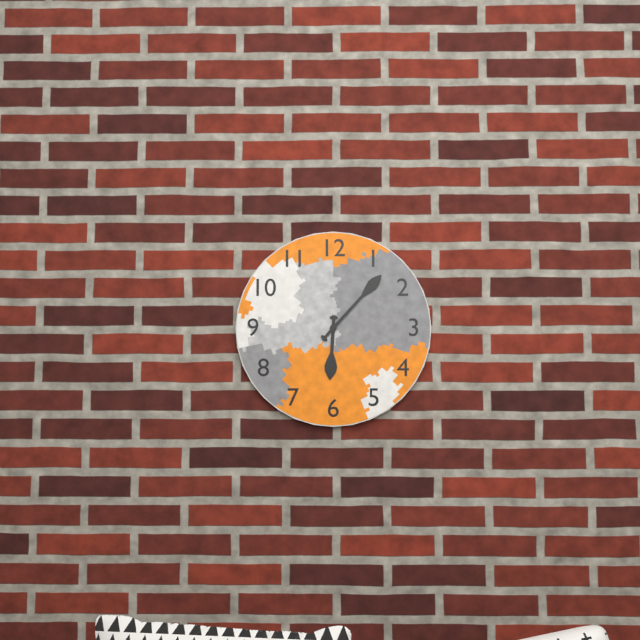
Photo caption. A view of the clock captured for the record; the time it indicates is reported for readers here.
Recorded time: 6:07
